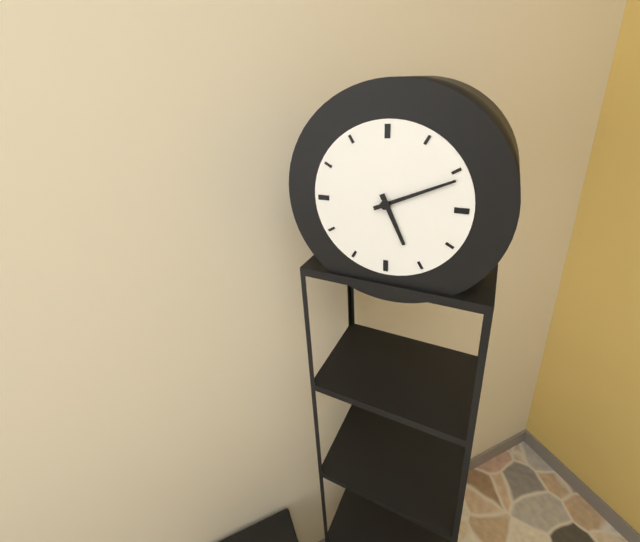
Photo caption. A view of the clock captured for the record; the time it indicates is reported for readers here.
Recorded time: 5:11
